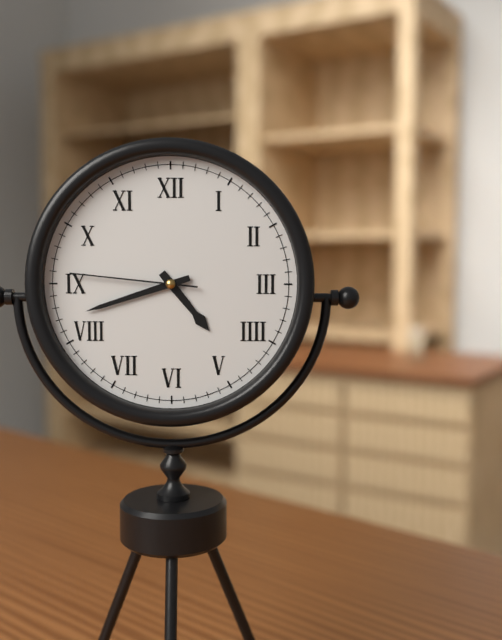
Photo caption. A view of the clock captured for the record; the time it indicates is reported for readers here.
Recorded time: 4:42:46
